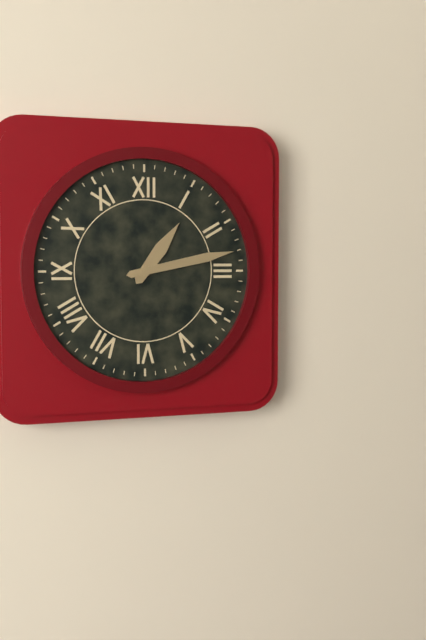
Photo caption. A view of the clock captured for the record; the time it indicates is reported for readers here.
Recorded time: 1:13
